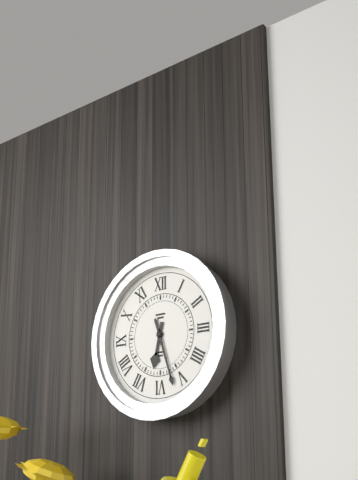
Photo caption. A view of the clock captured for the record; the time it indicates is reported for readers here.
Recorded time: 6:27
